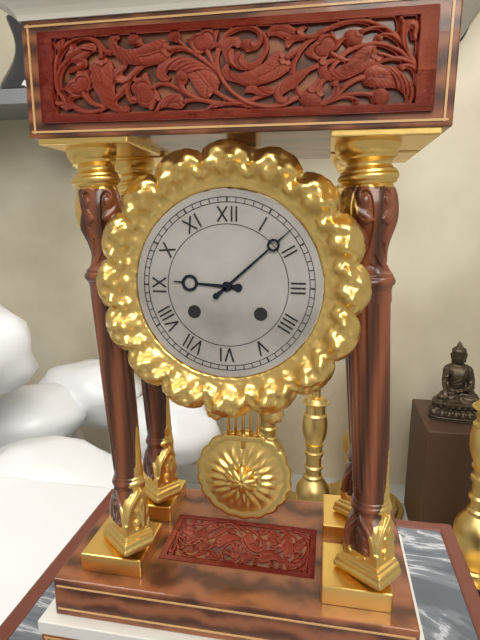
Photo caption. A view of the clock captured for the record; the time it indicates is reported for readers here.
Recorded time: 9:08
